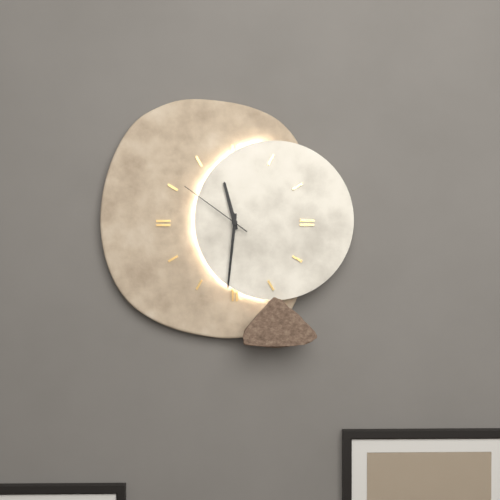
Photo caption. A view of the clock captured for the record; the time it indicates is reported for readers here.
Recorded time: 11:31:51
